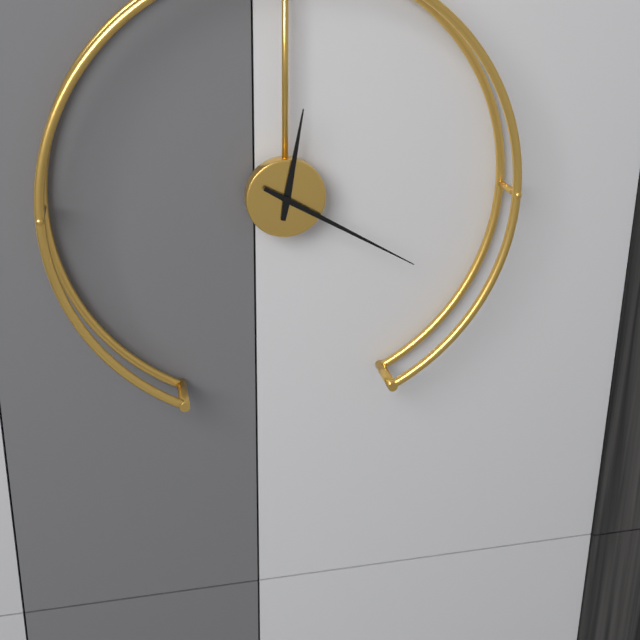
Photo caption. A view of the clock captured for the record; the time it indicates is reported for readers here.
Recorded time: 12:20
